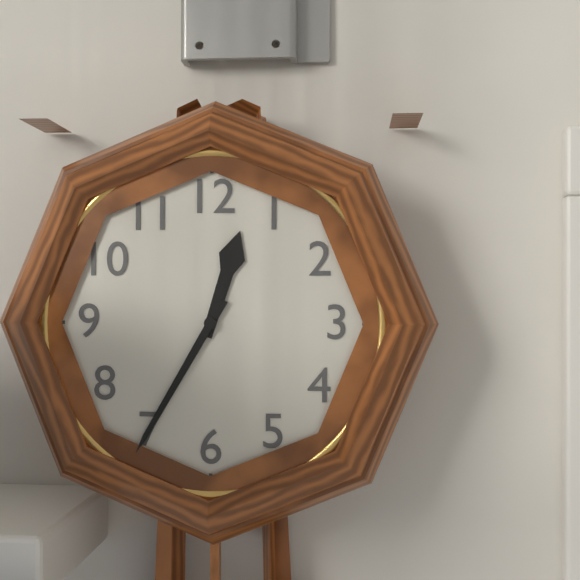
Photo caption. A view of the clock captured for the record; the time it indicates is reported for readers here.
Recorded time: 12:35
